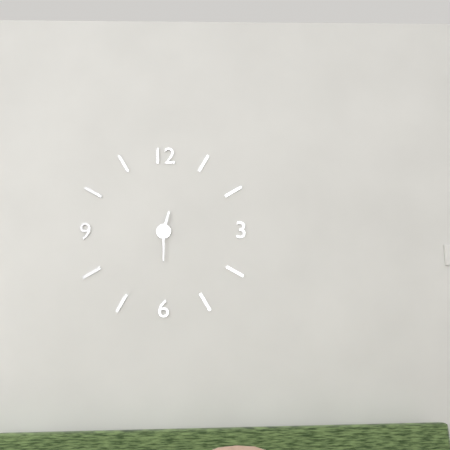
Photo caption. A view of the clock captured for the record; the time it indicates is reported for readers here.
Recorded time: 12:30
